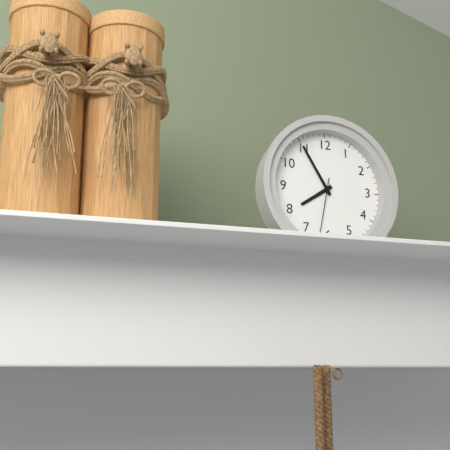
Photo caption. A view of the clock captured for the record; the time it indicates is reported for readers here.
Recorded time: 7:55:32
